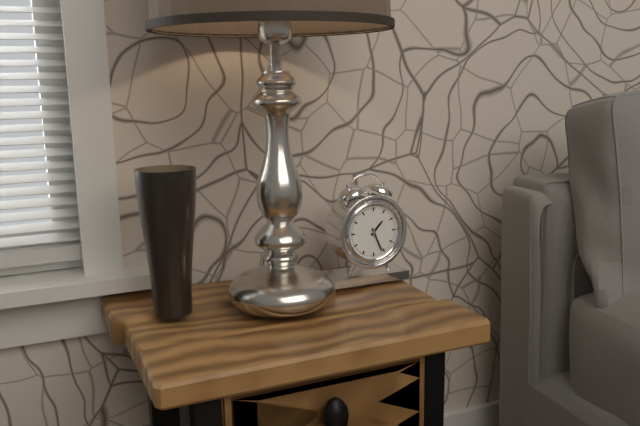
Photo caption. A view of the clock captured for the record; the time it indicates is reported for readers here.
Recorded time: 1:26
